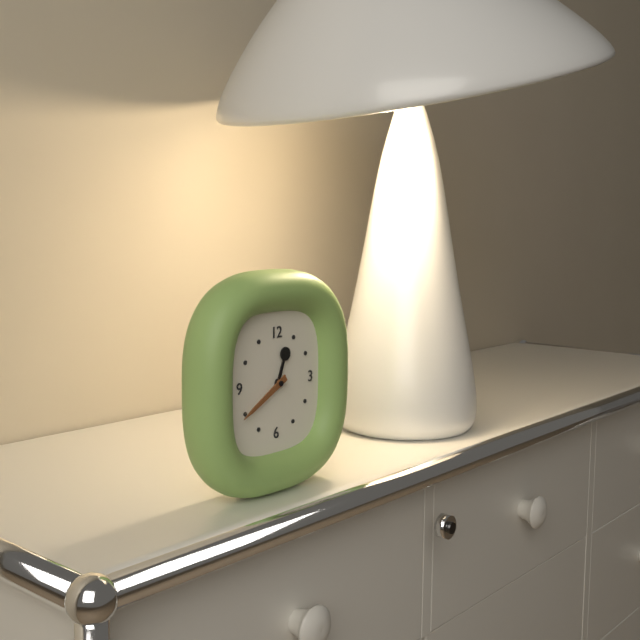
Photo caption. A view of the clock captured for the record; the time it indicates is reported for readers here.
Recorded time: 12:40
